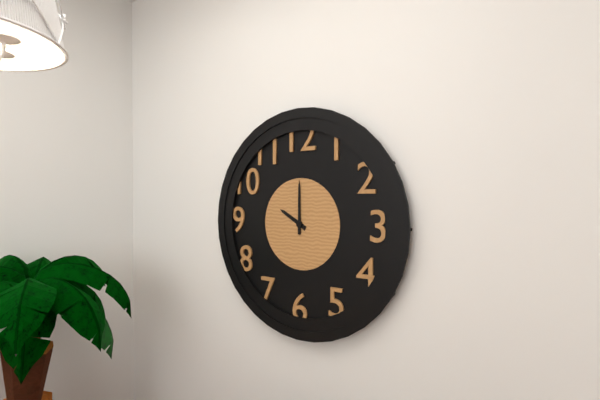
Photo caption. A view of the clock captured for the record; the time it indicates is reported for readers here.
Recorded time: 10:00
